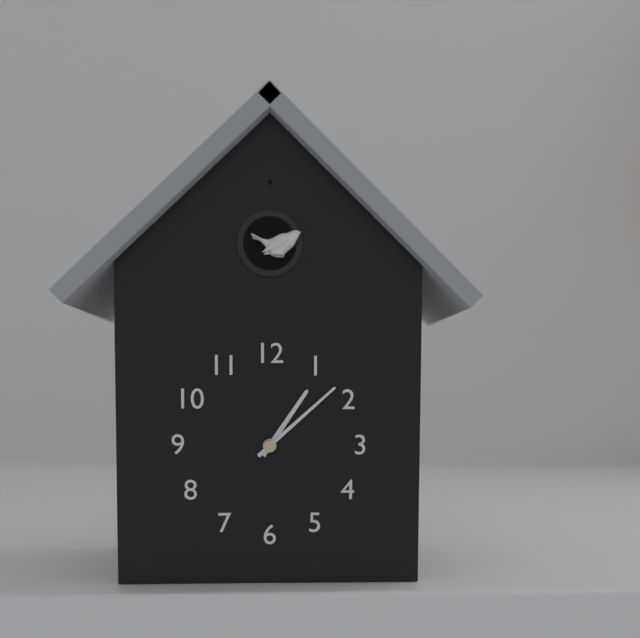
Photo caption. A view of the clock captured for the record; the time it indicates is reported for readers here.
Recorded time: 1:08
